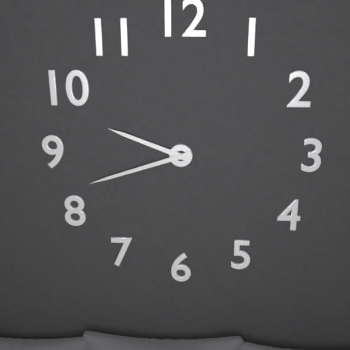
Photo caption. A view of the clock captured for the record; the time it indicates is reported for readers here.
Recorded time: 9:42
